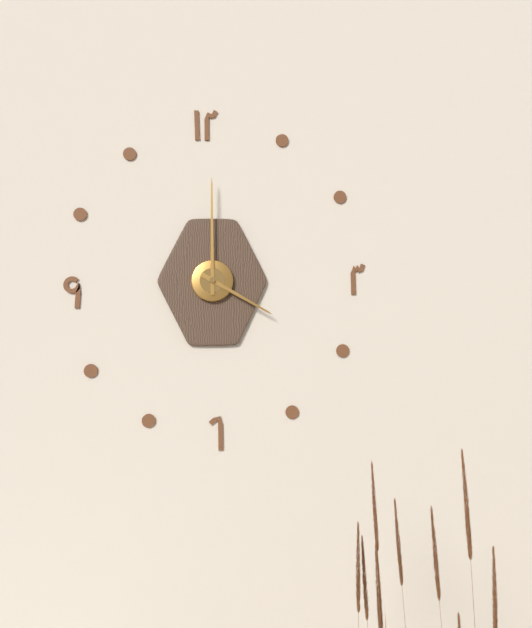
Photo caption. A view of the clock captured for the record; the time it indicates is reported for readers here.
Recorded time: 4:00
